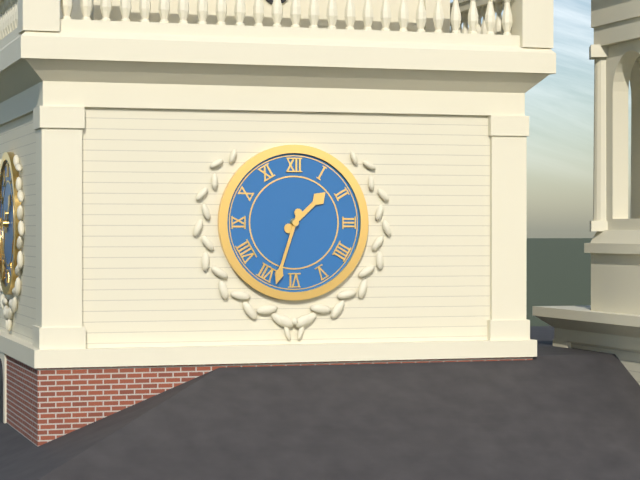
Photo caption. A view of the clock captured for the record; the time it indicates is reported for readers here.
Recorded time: 1:33
